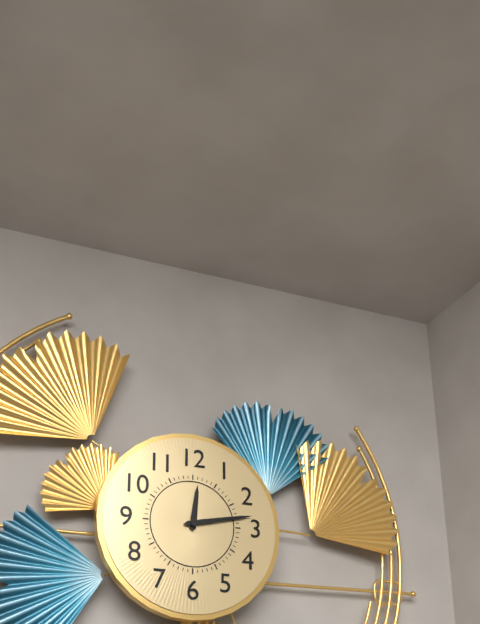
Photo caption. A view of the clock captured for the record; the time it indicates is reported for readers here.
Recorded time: 12:13
